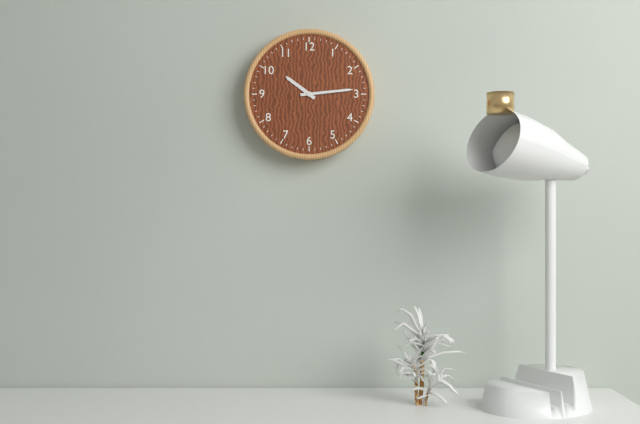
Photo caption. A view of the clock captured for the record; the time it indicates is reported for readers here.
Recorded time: 10:14
